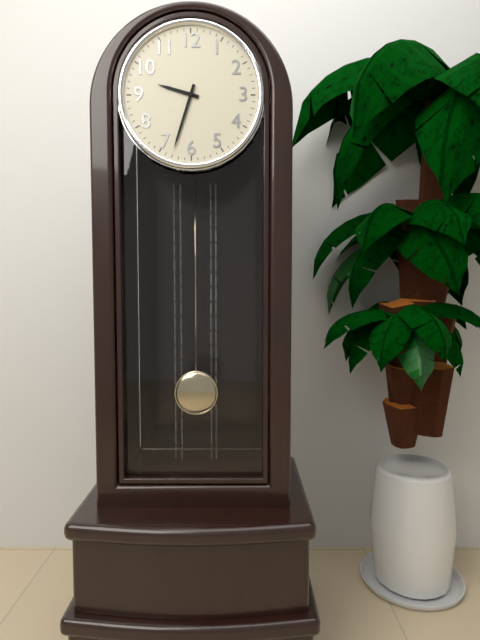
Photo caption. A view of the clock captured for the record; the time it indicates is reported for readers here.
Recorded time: 9:33
